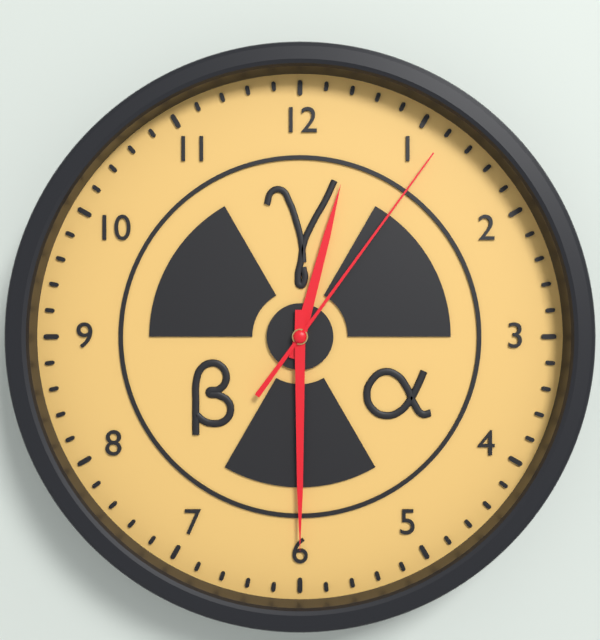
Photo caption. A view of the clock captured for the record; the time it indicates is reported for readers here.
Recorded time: 12:30:06
